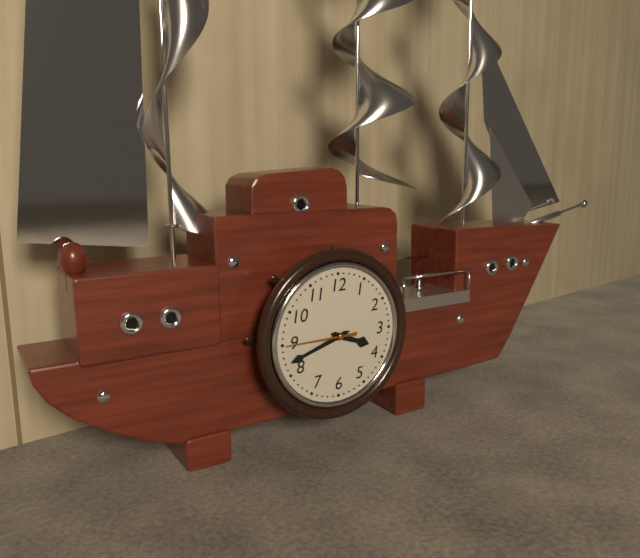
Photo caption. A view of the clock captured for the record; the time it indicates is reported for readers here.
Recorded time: 3:42:45
